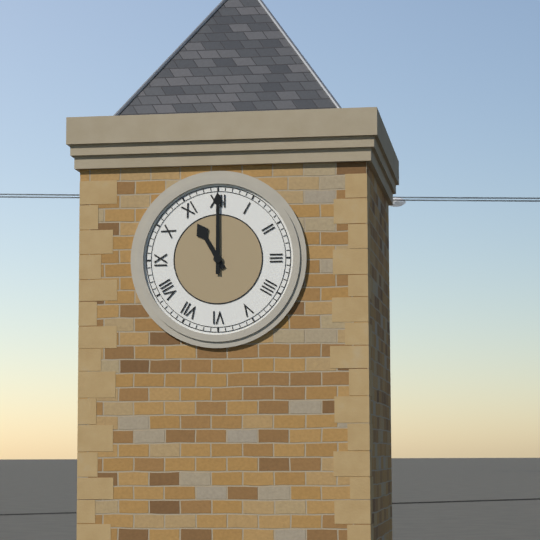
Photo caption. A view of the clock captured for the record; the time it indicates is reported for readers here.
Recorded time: 11:00
